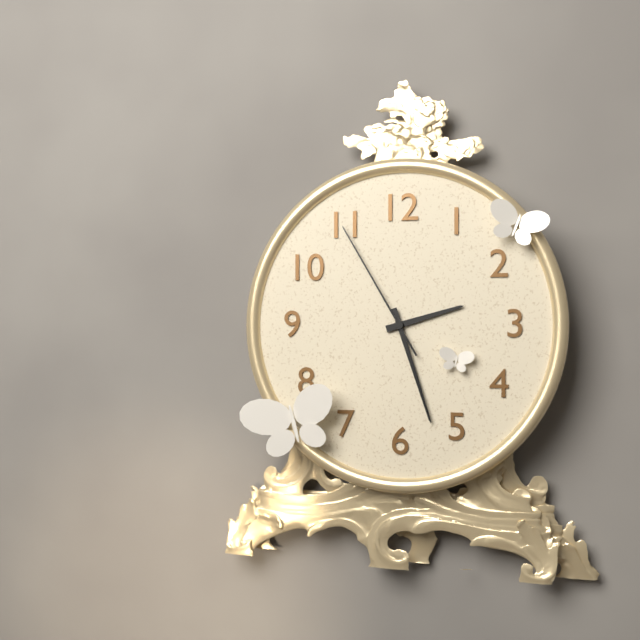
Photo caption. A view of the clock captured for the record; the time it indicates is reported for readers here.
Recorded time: 2:27:55
